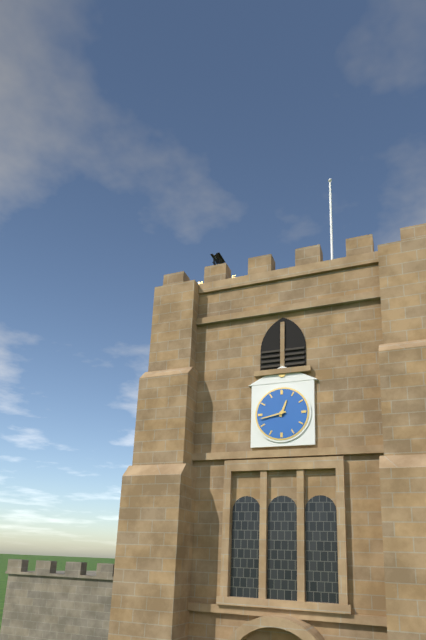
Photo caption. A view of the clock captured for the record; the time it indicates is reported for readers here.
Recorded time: 12:43
